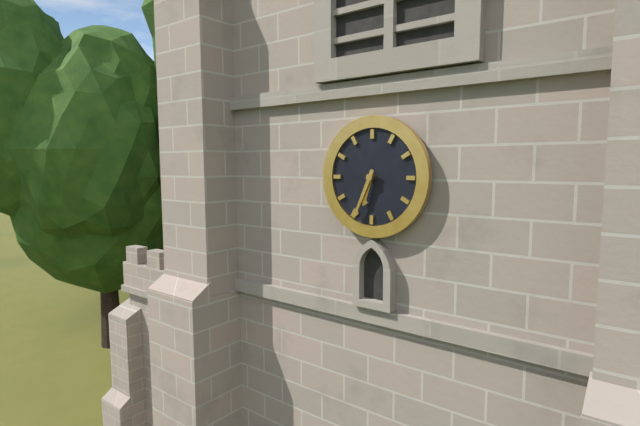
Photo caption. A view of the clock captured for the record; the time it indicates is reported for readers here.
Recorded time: 6:34
